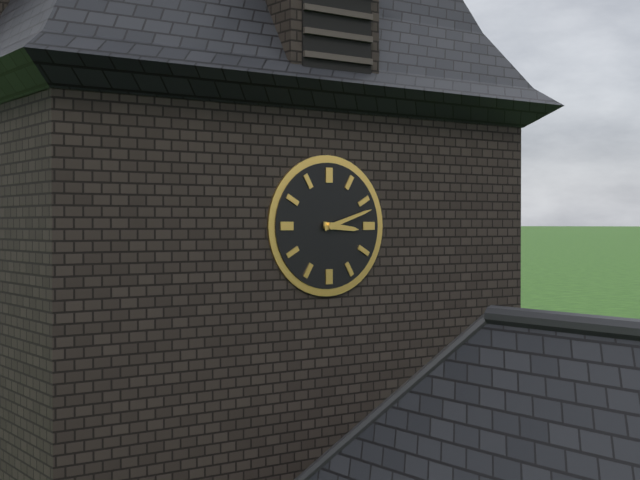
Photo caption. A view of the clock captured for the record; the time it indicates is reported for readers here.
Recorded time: 3:12
